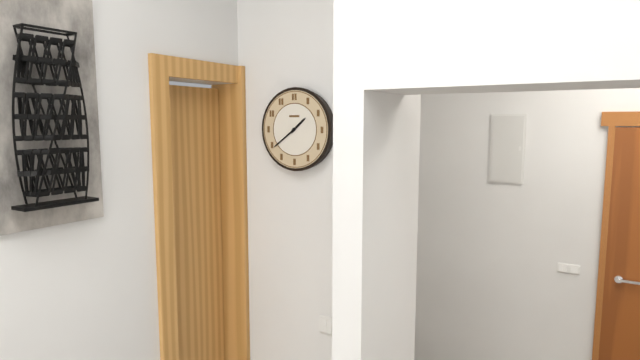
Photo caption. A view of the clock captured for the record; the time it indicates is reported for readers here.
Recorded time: 1:39
